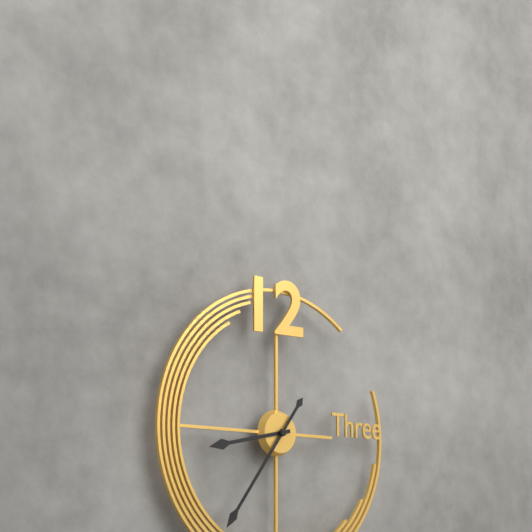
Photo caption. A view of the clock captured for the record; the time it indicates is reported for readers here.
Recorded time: 8:36
